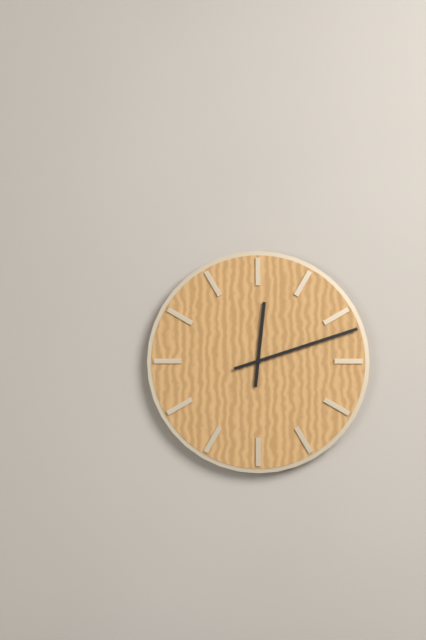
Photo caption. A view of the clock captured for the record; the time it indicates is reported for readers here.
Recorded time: 12:12
